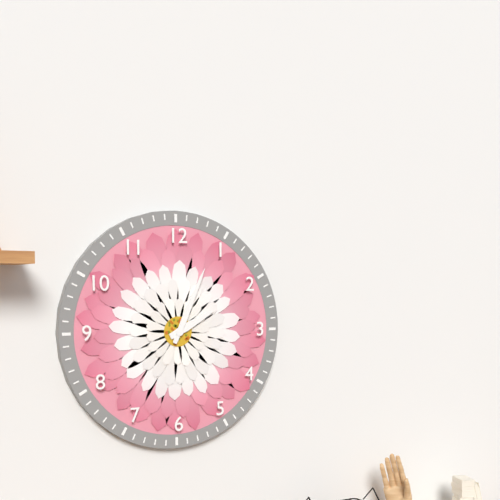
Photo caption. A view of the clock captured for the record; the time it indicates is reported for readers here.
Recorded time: 2:04
